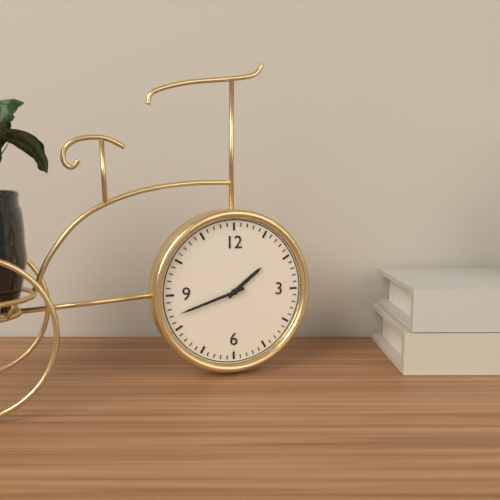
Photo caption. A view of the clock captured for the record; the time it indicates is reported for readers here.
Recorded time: 1:42
